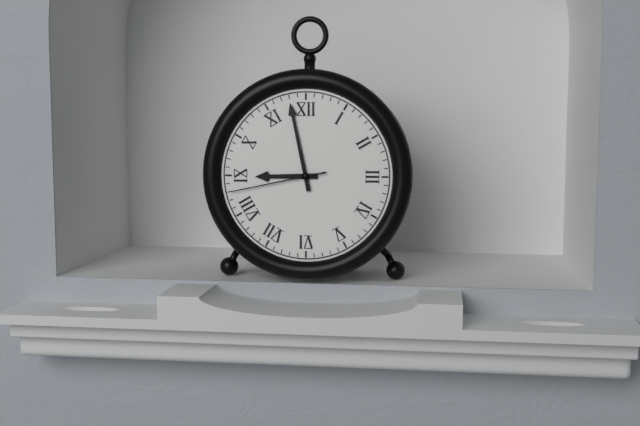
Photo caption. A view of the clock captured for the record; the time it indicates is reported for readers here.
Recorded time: 8:58:43
